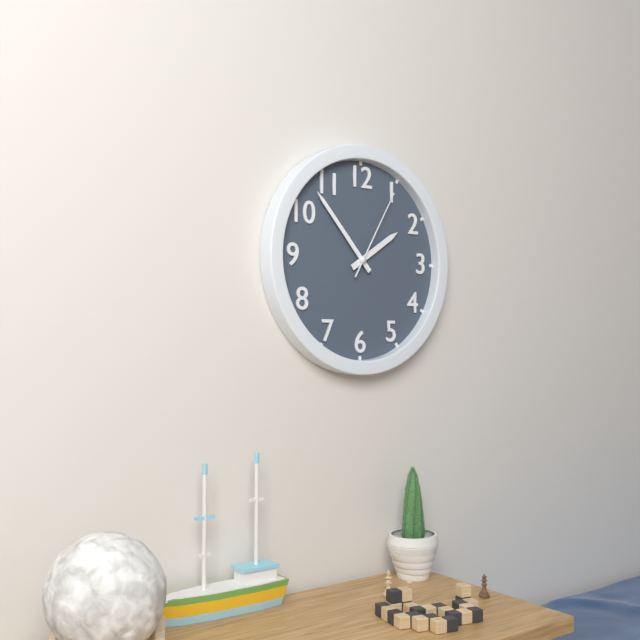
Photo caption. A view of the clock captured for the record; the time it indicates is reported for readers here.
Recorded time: 1:53:05
